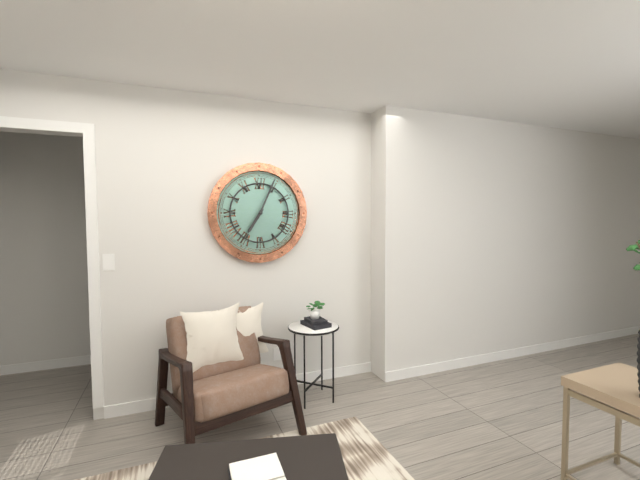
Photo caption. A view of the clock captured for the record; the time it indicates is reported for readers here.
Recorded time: 7:04
